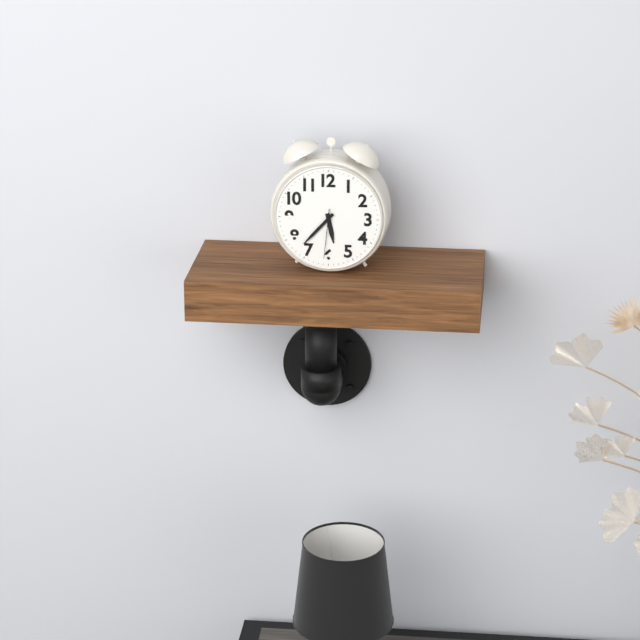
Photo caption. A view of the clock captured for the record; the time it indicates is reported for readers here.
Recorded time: 5:37:31
